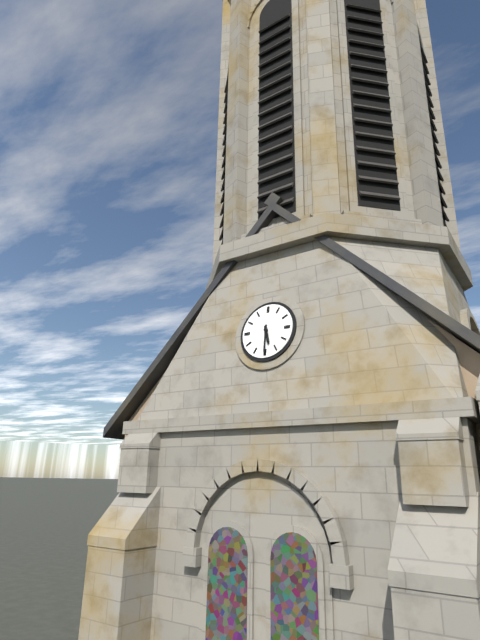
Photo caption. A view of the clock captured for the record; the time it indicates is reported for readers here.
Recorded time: 5:30
